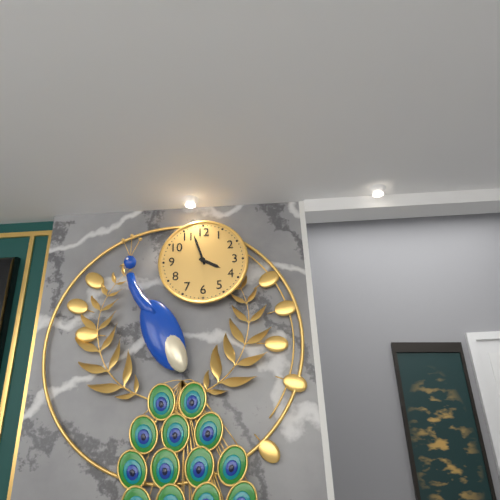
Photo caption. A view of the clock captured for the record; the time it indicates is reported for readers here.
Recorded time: 3:57
